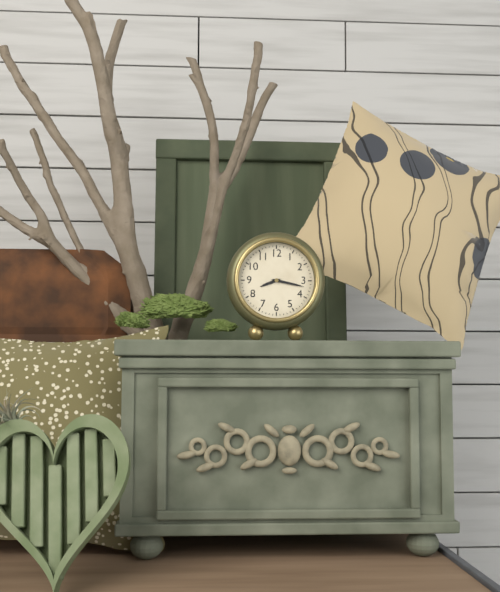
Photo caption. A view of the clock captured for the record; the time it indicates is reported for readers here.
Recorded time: 8:17
